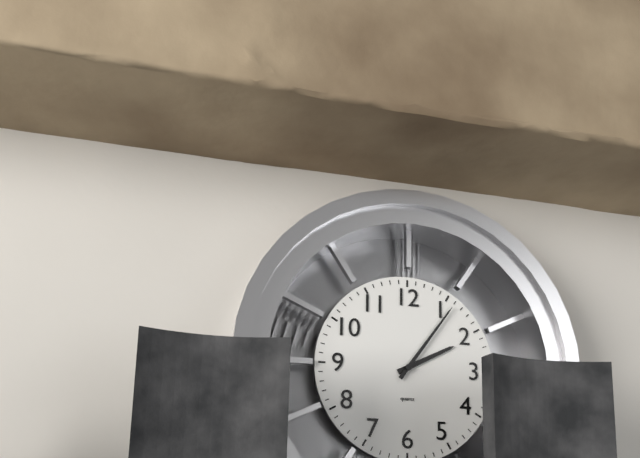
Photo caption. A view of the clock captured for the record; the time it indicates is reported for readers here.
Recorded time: 2:06
